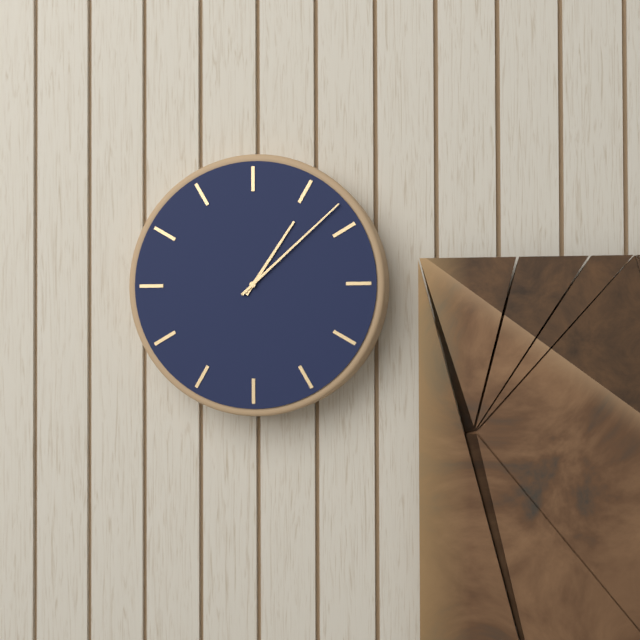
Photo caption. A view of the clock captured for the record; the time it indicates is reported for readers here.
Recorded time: 1:08
